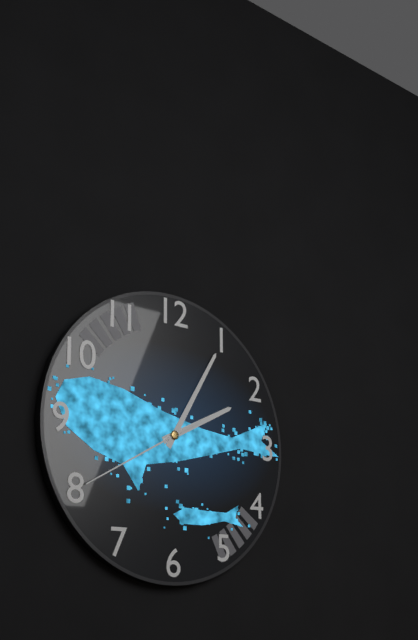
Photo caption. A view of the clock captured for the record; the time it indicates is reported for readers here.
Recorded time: 2:05:40
